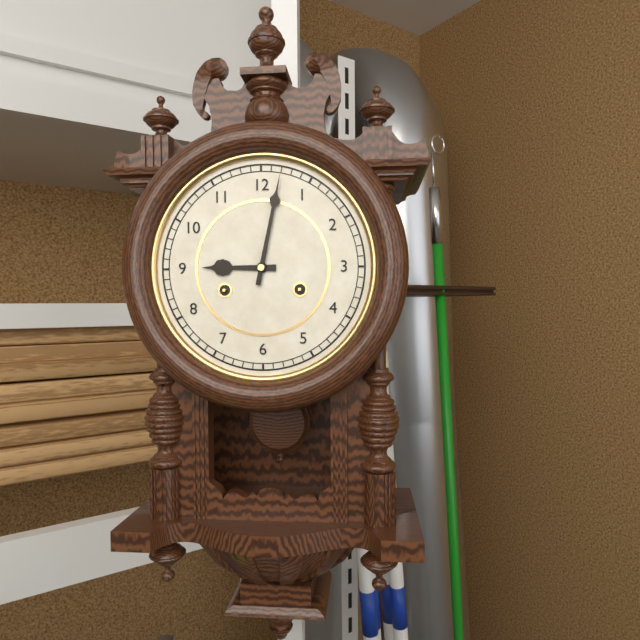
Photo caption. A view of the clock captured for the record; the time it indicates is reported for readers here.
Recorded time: 9:02
